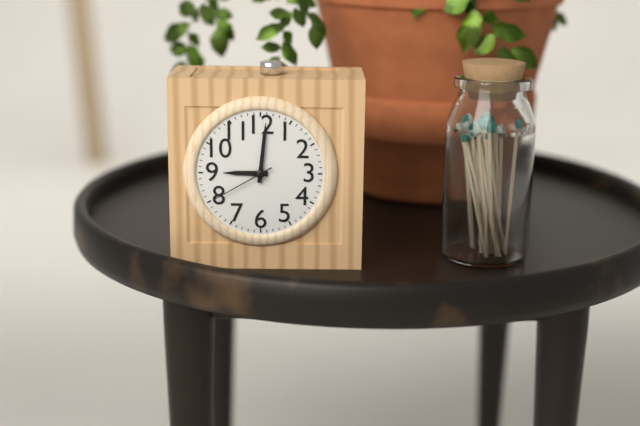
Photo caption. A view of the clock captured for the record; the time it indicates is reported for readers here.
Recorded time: 9:01:40
